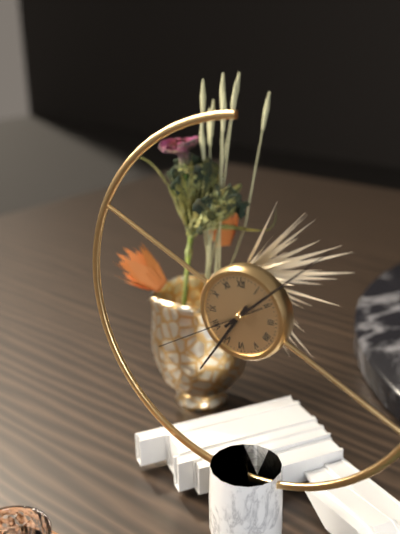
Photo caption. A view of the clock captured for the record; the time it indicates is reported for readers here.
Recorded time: 7:08:40
